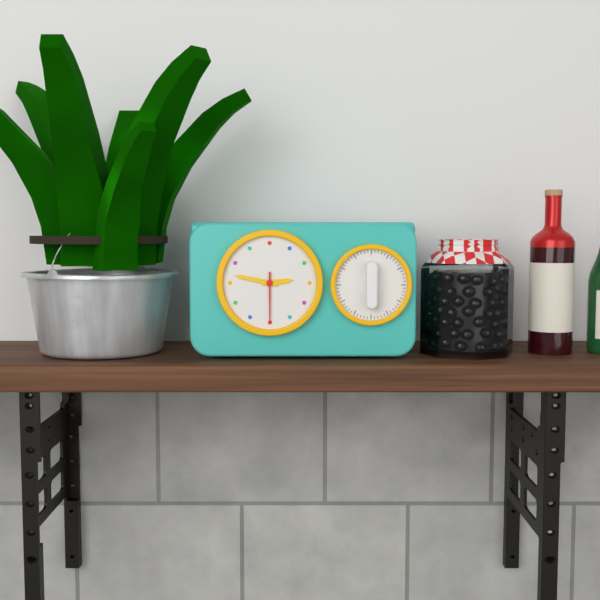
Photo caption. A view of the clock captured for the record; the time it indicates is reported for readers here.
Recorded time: 2:47:30
